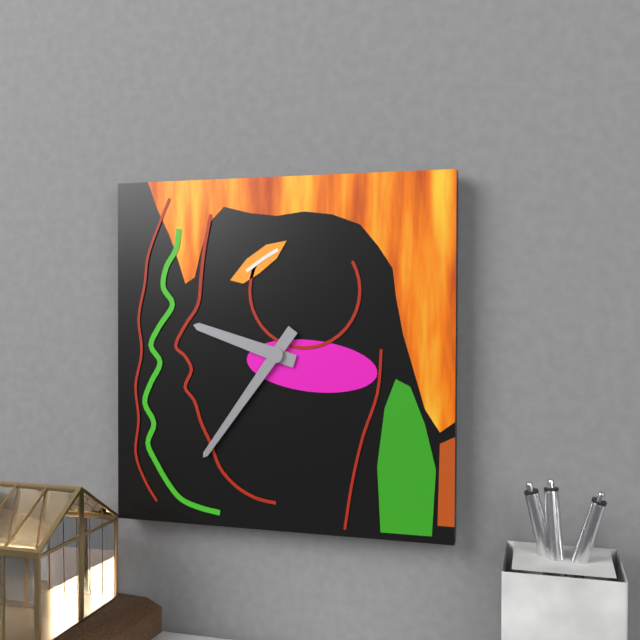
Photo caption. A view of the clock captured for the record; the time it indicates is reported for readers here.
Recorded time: 9:36
